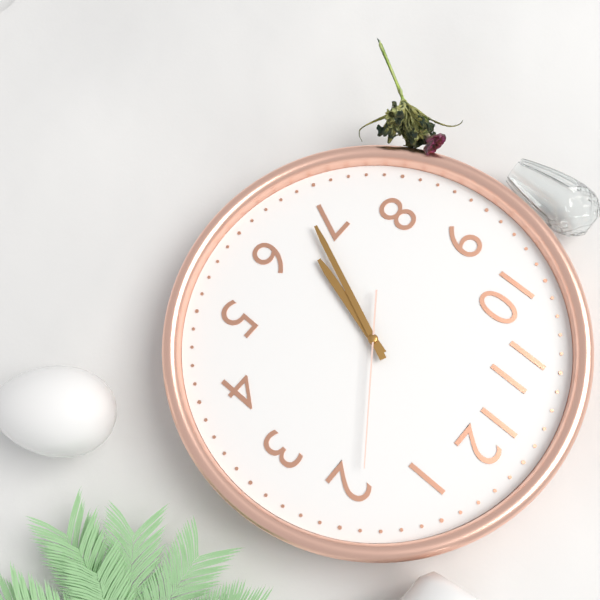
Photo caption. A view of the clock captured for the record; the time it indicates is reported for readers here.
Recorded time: 6:34:09
